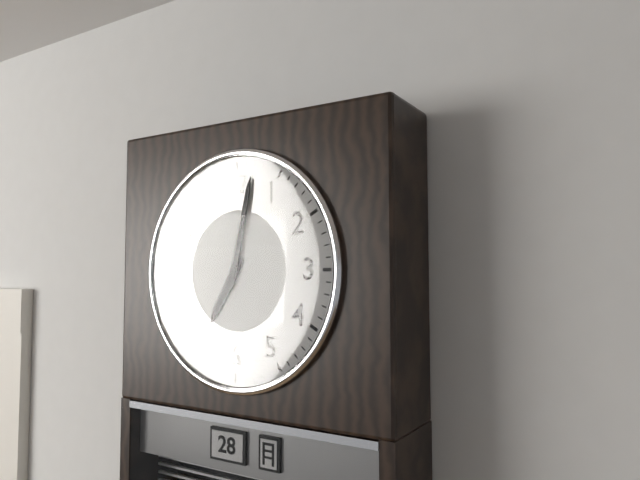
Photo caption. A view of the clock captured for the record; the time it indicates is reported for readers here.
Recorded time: 7:02
